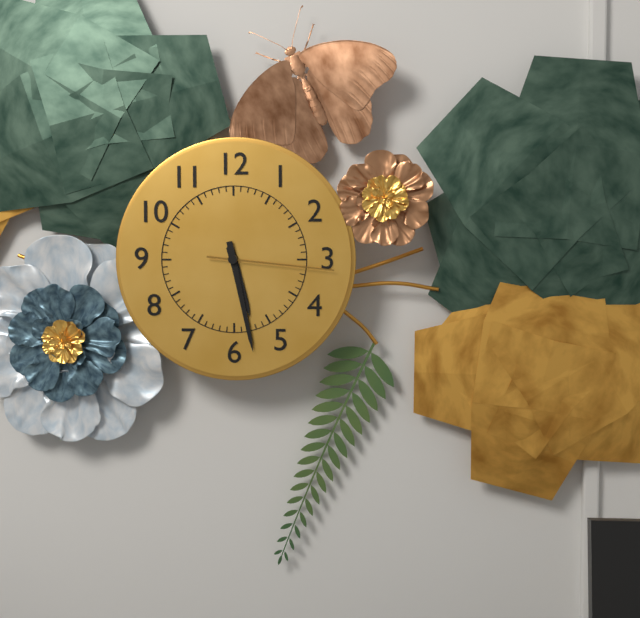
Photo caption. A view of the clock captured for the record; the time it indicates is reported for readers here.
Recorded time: 5:28:16
